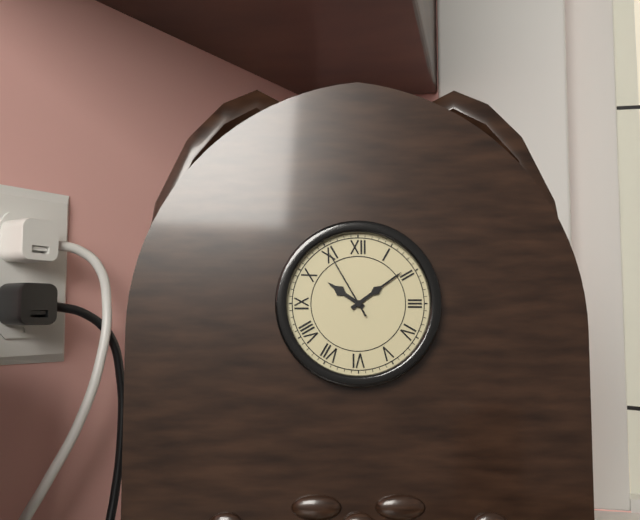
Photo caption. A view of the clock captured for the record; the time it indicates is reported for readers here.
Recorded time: 10:09:55
